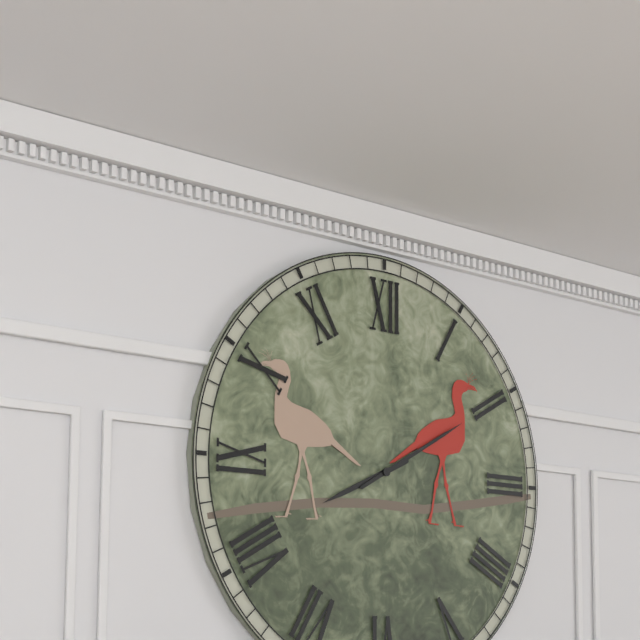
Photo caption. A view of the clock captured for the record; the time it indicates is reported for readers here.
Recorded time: 8:10
